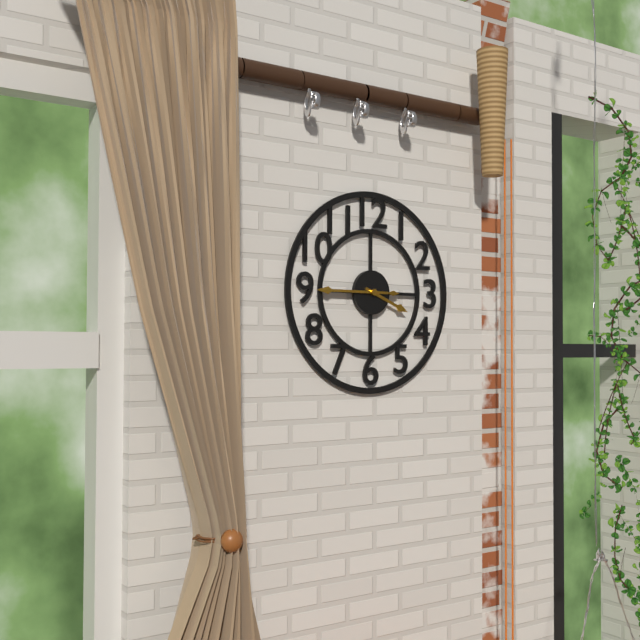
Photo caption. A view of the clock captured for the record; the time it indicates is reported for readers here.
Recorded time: 3:45
